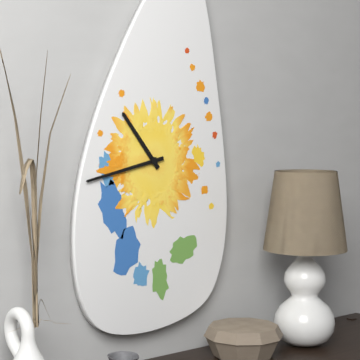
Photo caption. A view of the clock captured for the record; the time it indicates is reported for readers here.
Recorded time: 10:43
